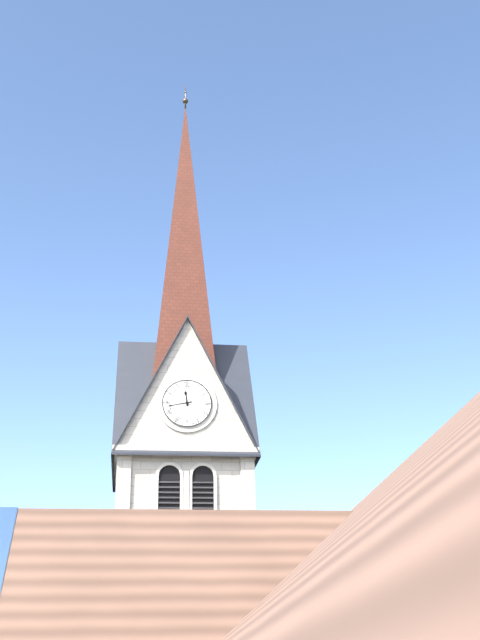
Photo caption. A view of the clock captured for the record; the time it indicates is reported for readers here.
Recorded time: 11:43
